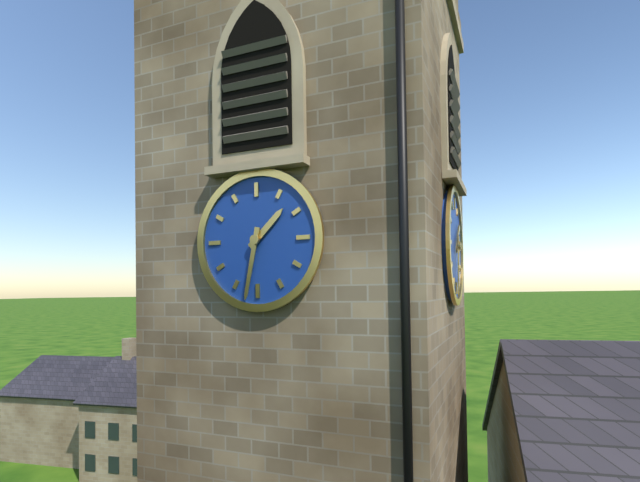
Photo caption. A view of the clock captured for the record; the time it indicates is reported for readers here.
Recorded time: 1:32
